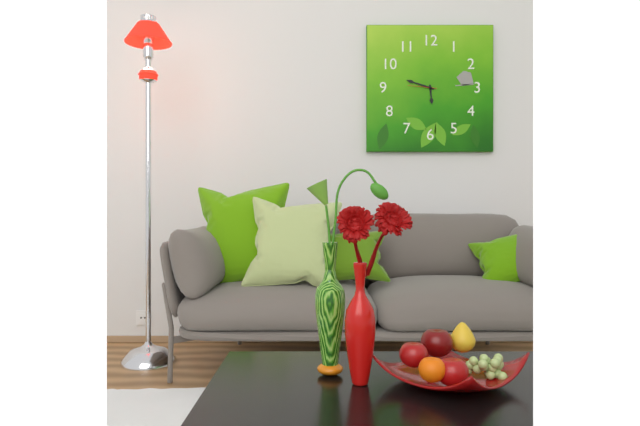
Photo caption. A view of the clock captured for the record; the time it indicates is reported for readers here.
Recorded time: 5:48
